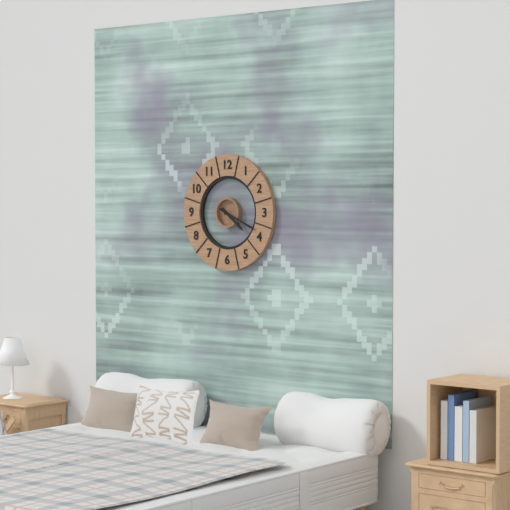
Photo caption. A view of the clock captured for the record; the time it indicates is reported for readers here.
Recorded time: 4:19
